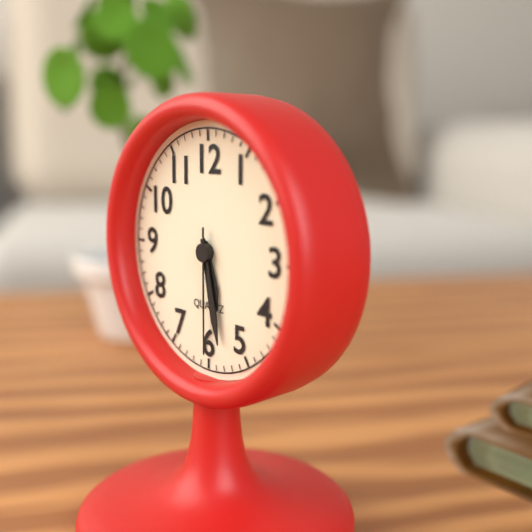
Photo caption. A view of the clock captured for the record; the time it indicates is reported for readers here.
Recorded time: 5:28:30
